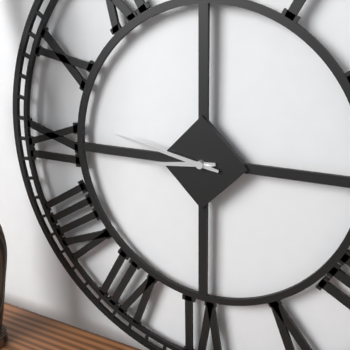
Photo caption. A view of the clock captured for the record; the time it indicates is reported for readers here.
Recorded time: 8:47
